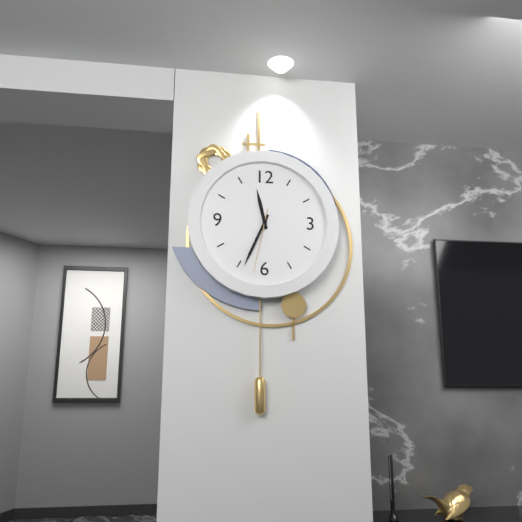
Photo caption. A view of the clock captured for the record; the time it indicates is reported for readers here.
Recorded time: 11:34:32
